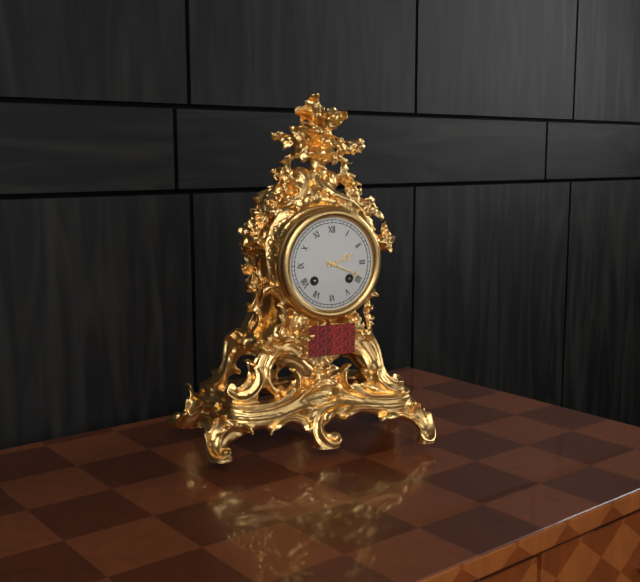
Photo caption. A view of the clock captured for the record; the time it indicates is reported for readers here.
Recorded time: 2:19
